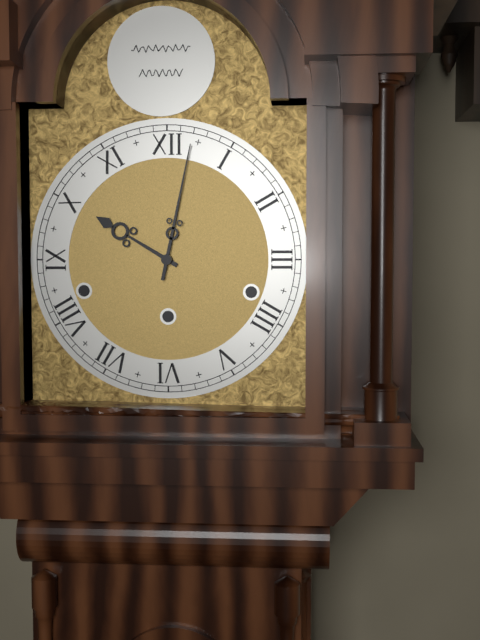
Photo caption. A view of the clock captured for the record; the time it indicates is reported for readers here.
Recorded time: 10:02
